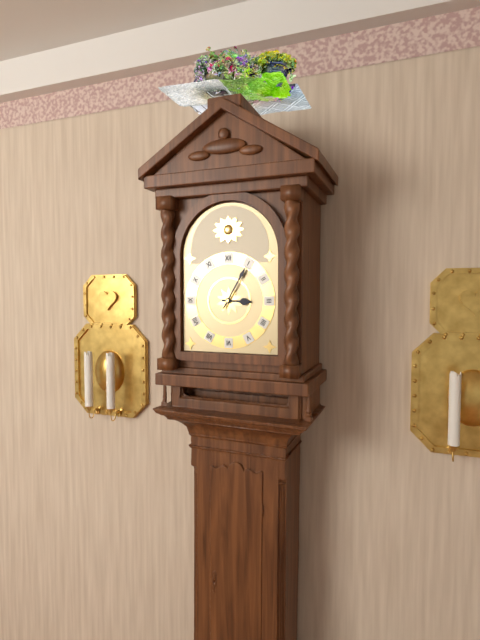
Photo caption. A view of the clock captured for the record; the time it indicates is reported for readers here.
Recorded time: 3:05
